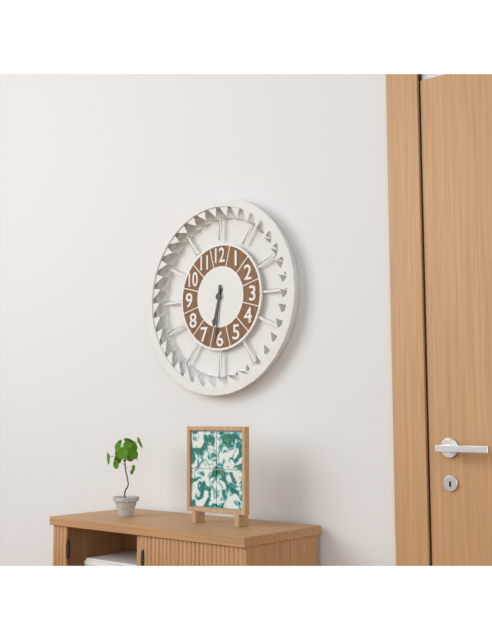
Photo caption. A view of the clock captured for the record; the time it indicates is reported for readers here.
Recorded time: 6:31
